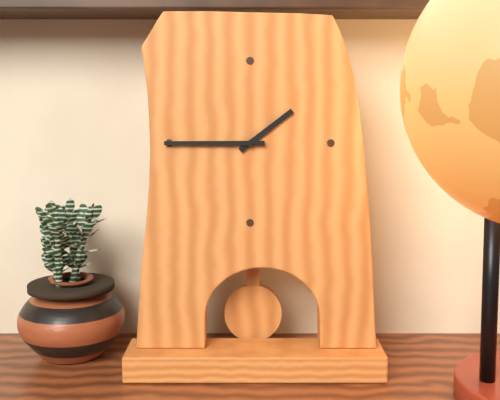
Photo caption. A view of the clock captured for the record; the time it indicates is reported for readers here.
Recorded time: 1:45
